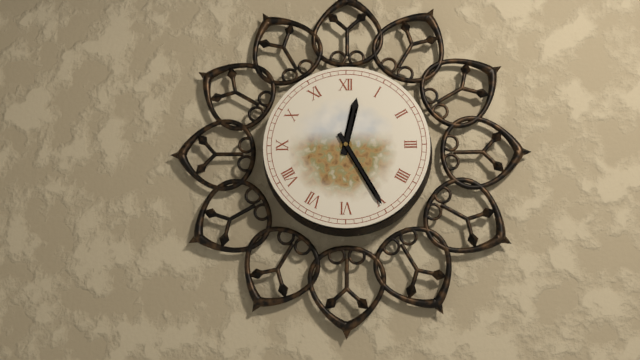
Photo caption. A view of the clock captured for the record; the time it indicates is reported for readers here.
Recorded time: 12:25
